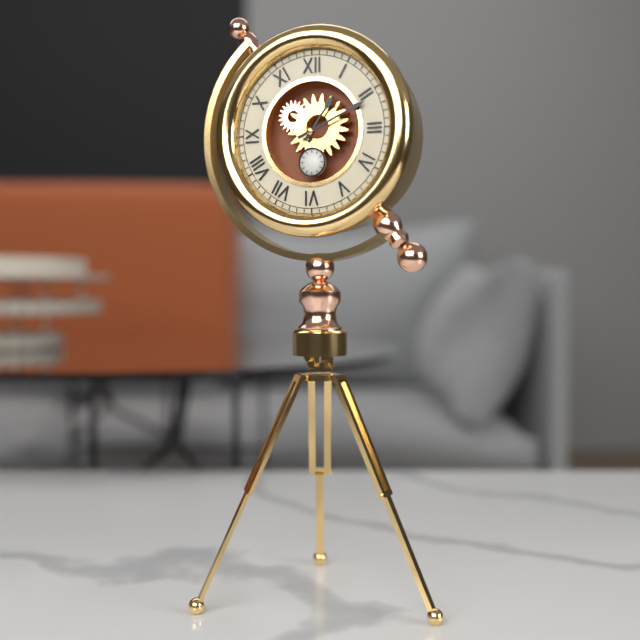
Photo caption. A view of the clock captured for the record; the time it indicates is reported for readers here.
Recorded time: 1:11
